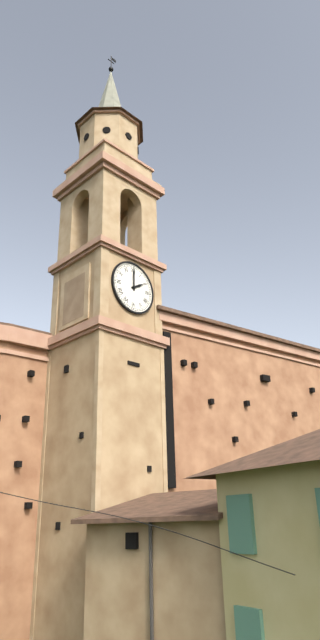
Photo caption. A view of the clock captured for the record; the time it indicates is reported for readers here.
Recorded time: 2:00
